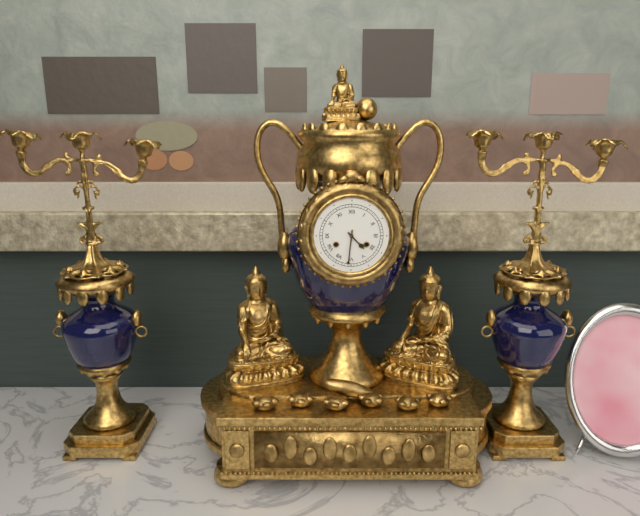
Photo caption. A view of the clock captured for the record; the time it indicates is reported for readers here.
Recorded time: 4:31
